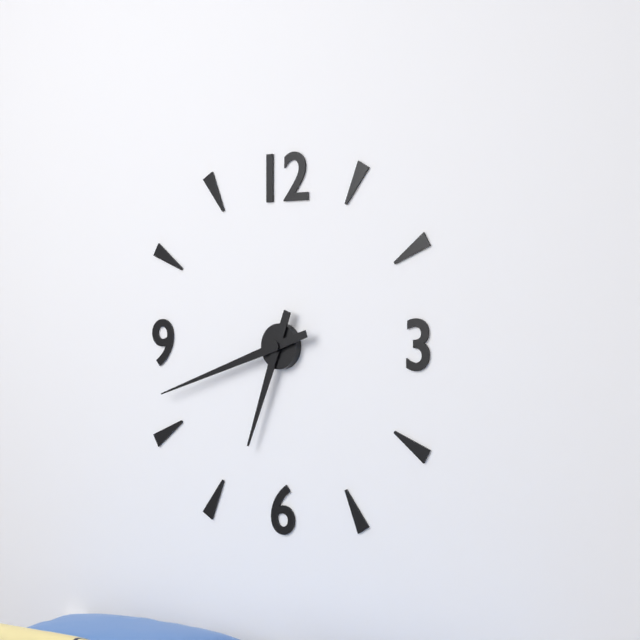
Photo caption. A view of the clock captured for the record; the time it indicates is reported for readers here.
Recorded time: 6:42
